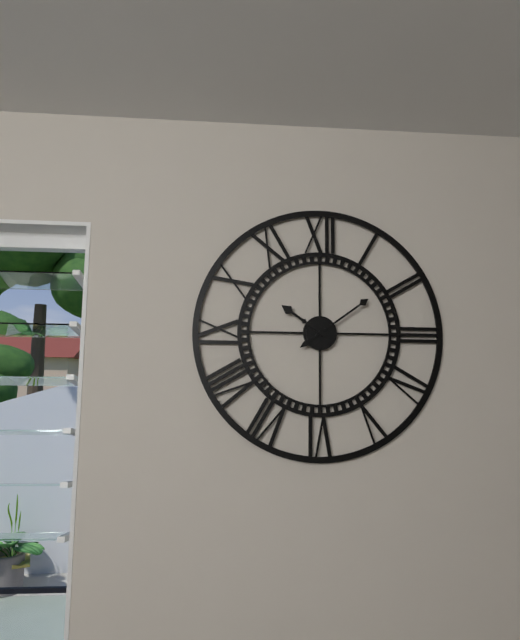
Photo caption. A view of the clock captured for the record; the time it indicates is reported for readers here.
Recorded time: 10:09
